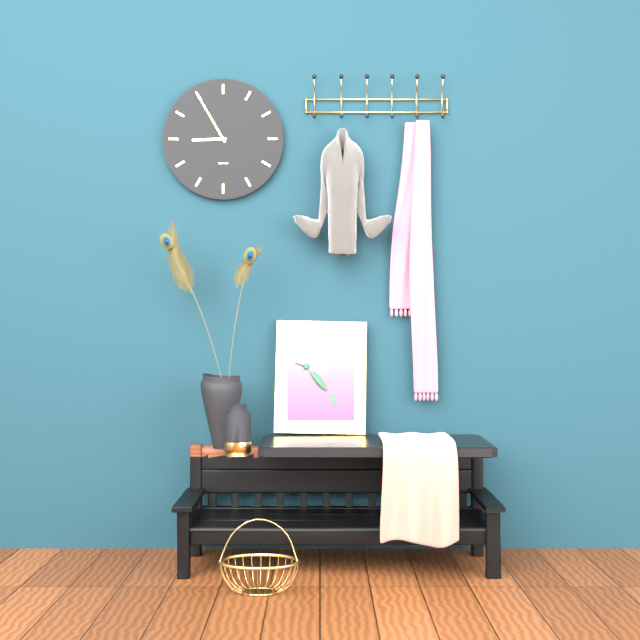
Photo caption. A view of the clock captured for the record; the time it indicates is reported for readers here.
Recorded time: 8:55
